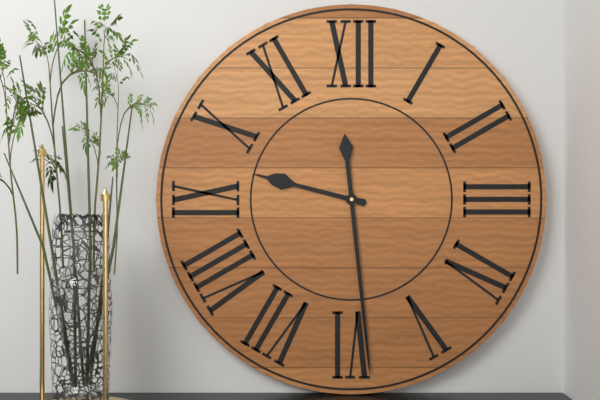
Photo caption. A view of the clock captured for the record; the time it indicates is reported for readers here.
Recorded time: 9:29
